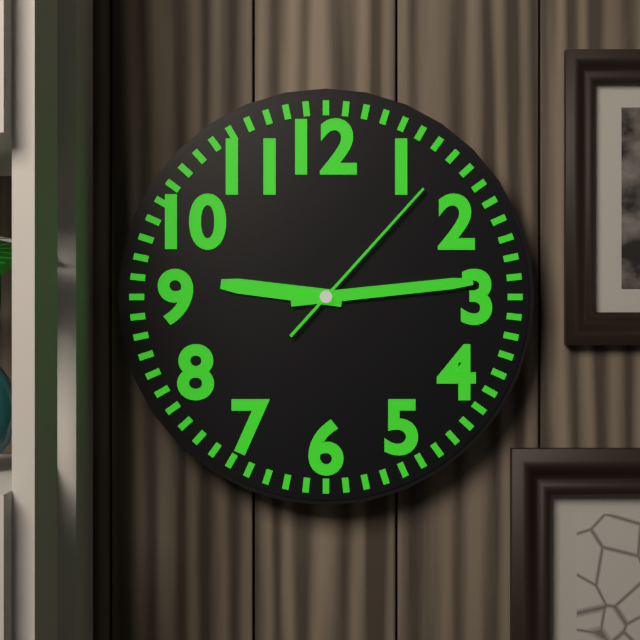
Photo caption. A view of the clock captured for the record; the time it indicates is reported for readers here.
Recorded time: 9:14:07
